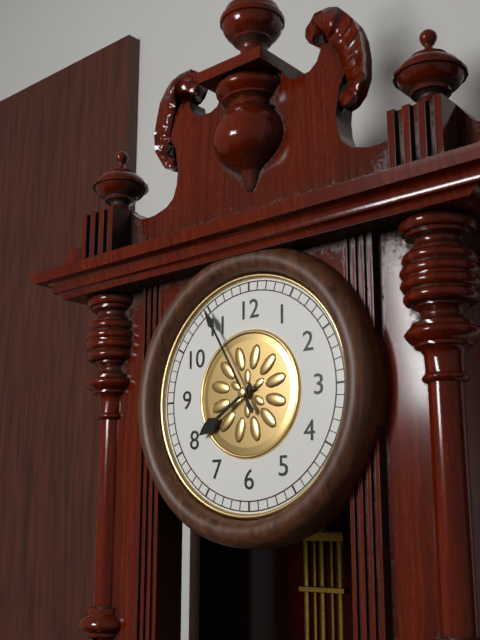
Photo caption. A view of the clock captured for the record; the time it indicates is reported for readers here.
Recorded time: 7:55
